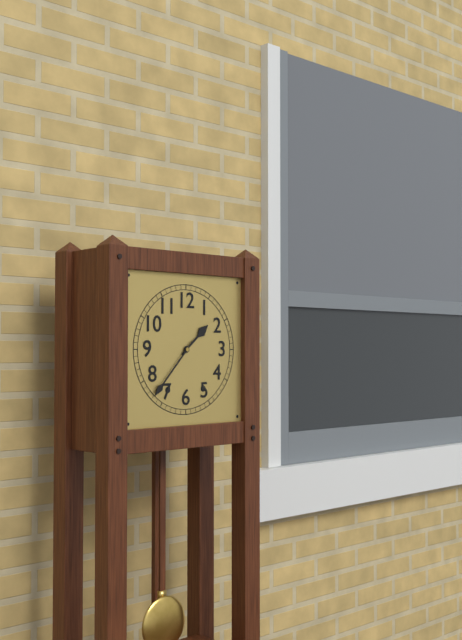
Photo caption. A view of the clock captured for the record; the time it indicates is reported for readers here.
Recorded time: 1:37
